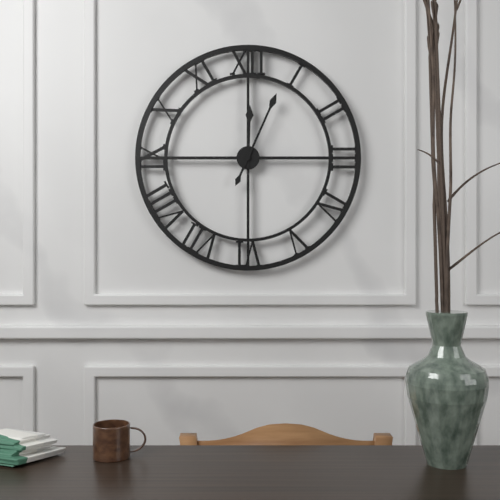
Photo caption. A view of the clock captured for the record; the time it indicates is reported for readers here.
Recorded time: 12:04
